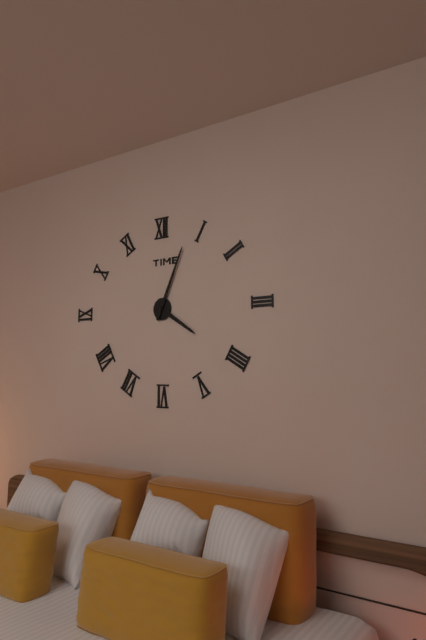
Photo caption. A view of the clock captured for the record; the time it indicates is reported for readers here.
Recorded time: 4:04
